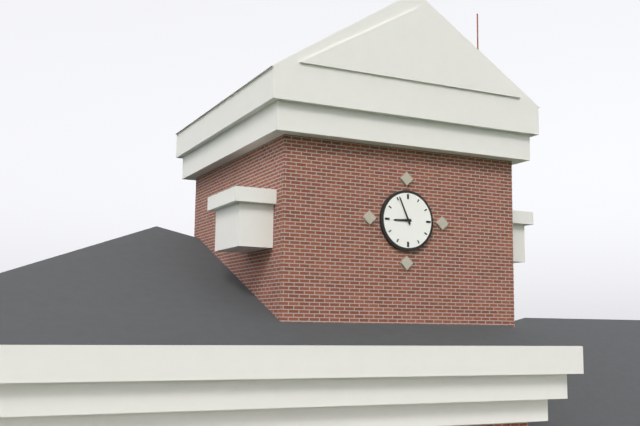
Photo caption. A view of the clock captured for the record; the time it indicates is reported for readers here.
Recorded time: 8:56
